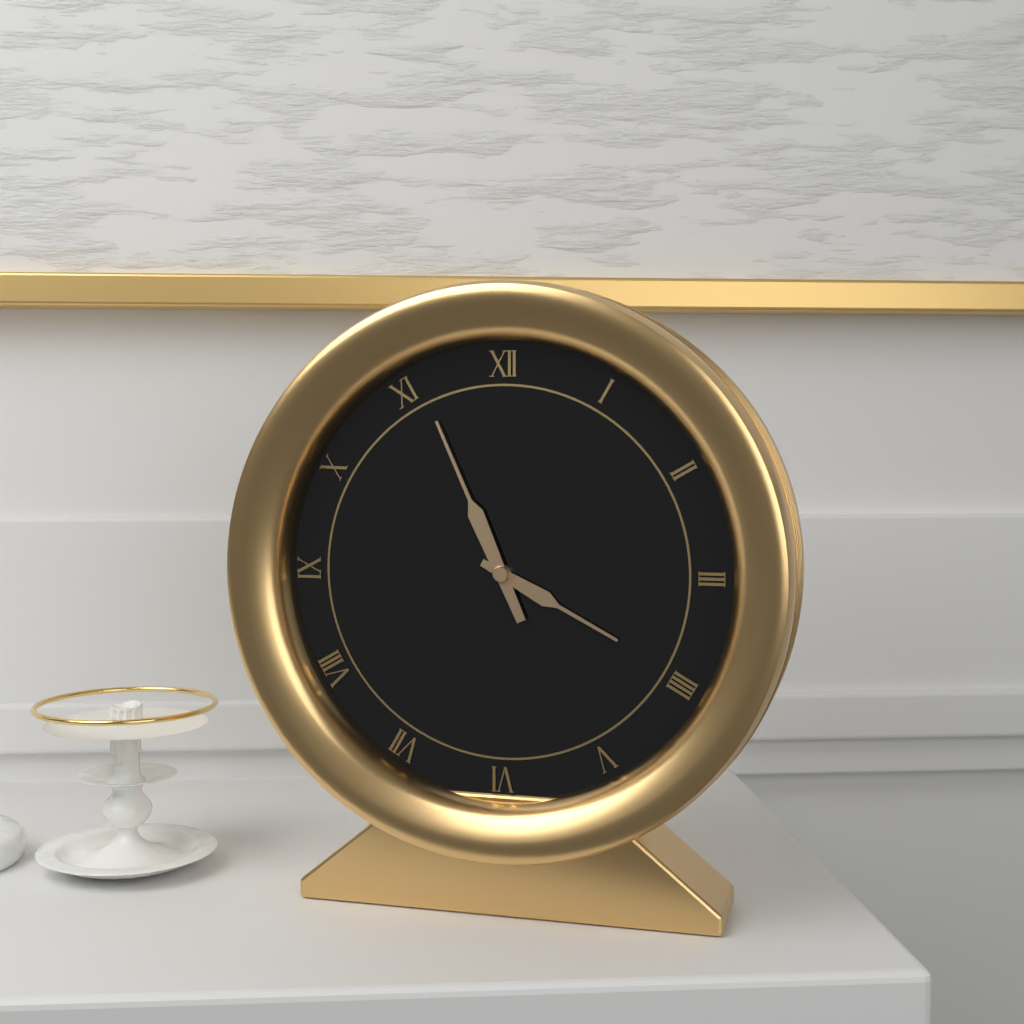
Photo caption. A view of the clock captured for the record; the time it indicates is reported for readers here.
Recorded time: 3:56
